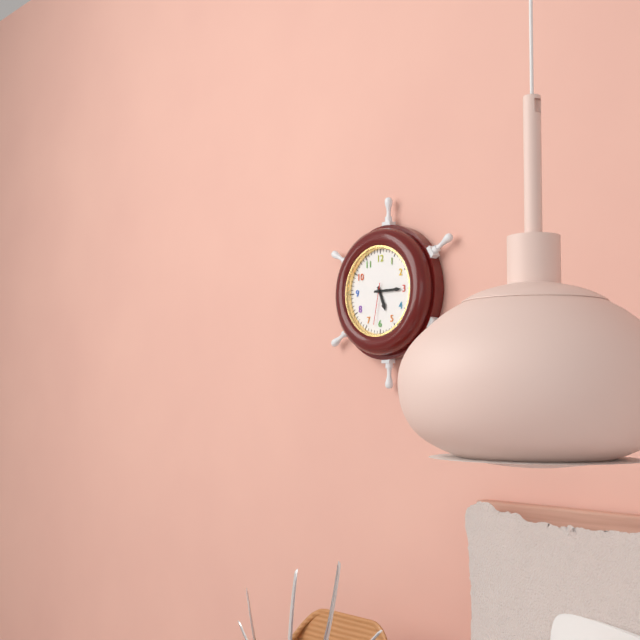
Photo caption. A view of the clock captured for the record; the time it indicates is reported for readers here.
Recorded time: 5:15
